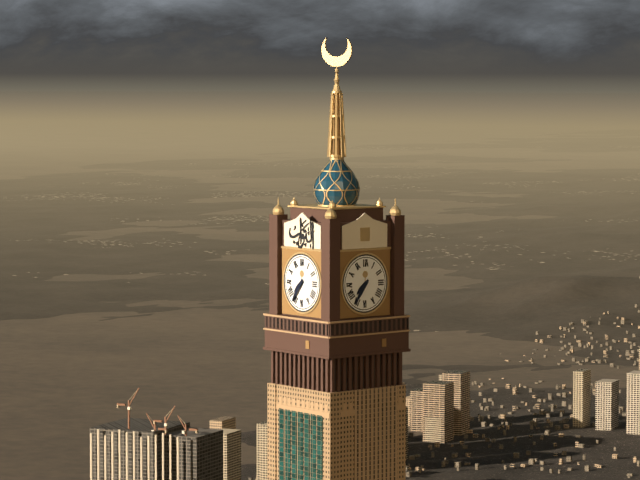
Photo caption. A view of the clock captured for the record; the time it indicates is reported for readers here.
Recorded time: 7:36
